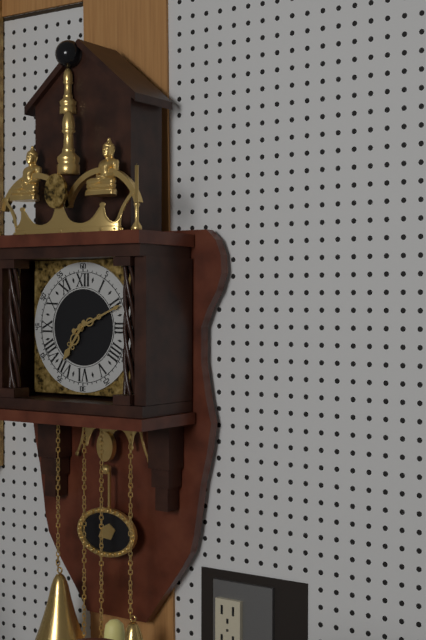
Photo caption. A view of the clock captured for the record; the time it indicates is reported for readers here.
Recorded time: 7:11
